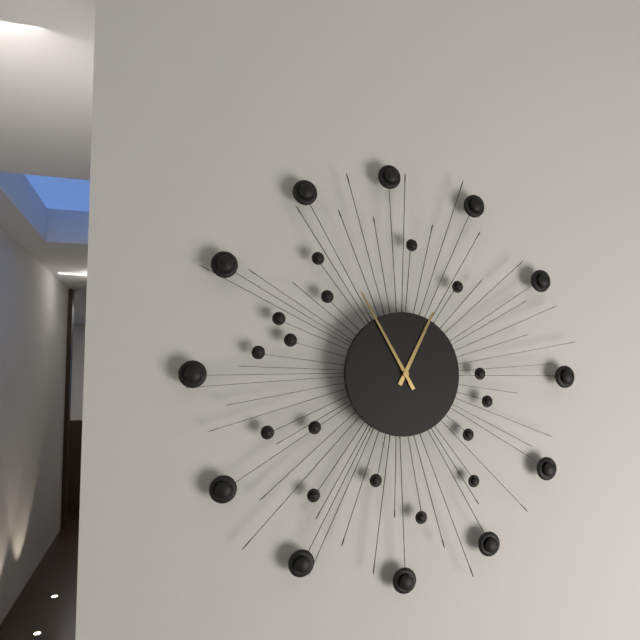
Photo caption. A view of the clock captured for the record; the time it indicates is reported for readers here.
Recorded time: 12:55
